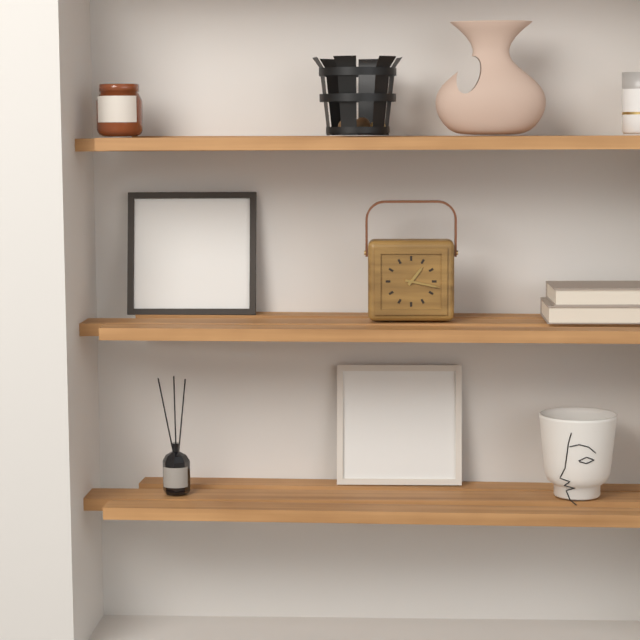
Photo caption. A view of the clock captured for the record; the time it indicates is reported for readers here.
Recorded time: 1:17
